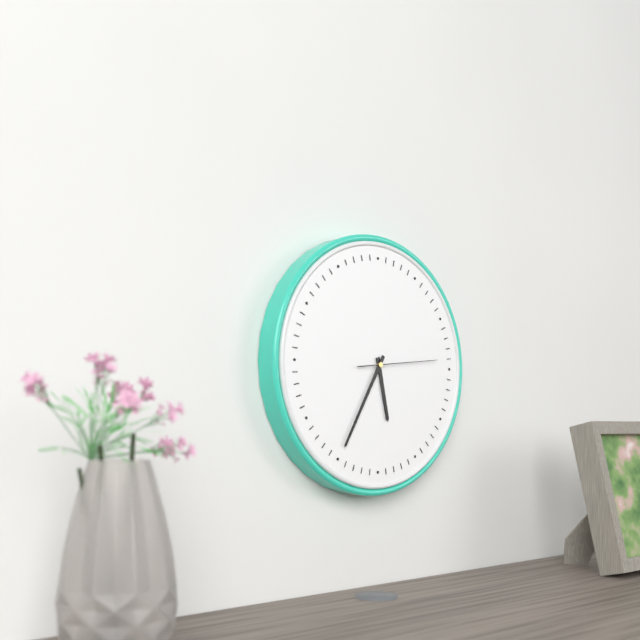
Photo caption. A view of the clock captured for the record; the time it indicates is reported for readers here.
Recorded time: 5:35:14
